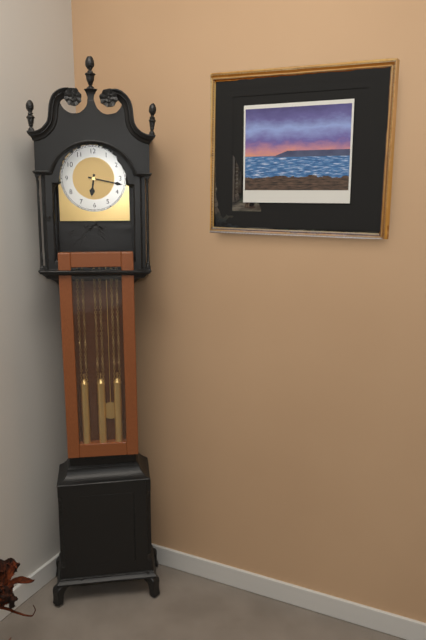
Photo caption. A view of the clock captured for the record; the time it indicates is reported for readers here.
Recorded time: 6:17
